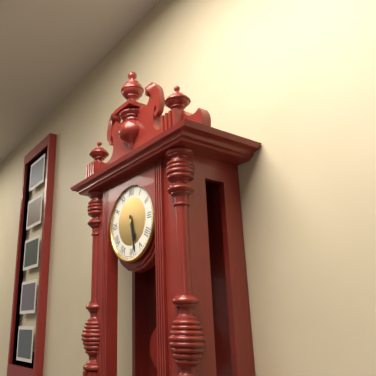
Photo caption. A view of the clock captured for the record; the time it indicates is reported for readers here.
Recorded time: 5:28
